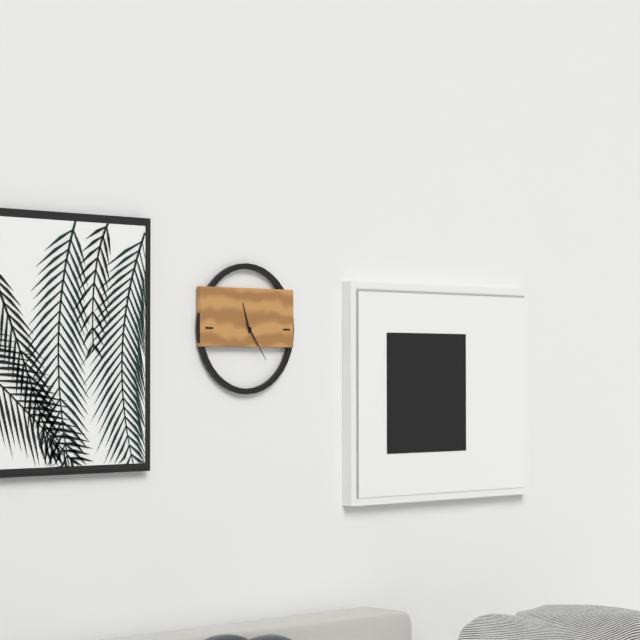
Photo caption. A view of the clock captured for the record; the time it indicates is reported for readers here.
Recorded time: 11:24
